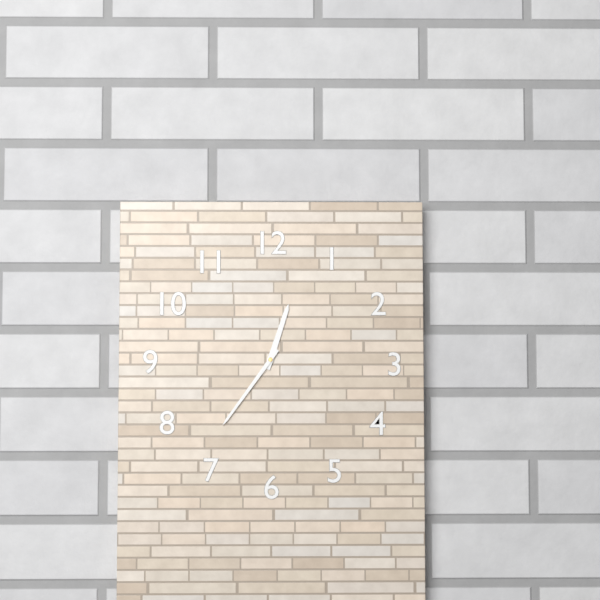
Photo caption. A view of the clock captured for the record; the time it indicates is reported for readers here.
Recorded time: 12:36
